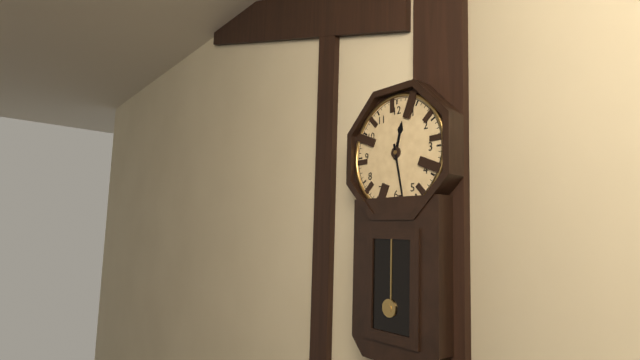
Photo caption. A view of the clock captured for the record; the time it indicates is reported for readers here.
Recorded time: 12:28
